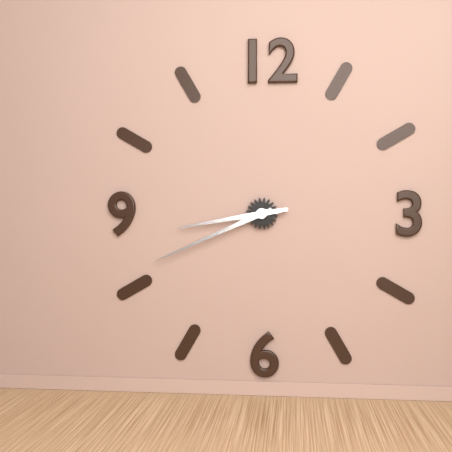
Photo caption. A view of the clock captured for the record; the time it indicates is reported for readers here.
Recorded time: 8:41
